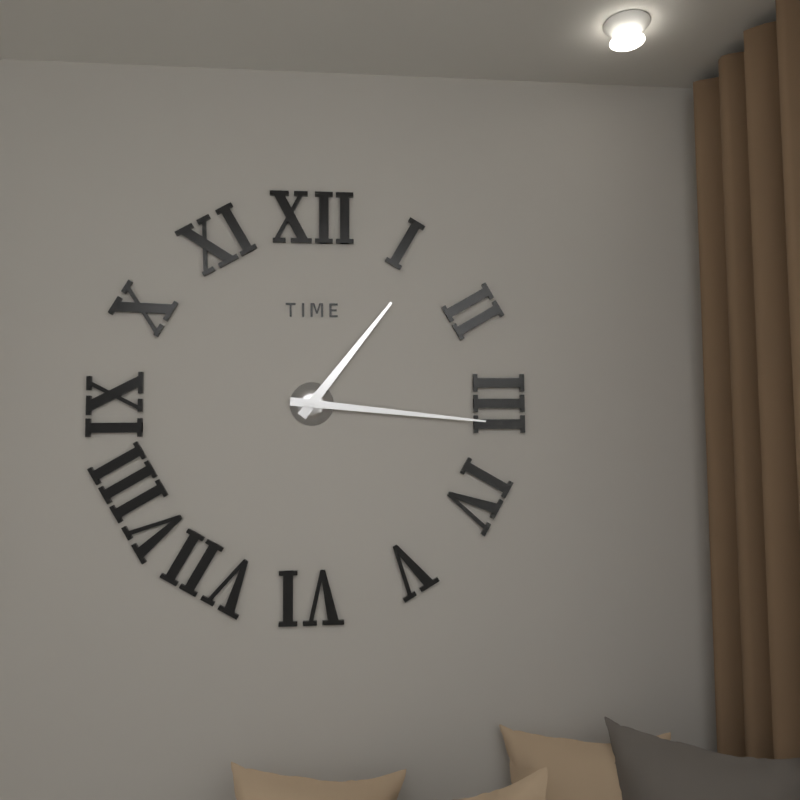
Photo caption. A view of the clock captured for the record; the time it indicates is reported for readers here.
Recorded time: 1:16
